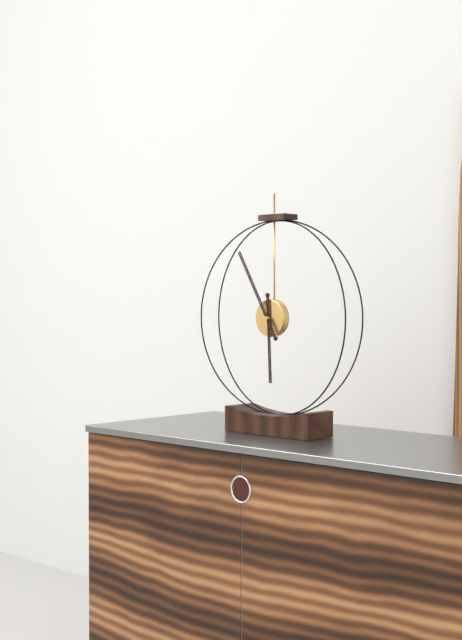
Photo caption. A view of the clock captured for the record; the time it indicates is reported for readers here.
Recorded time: 5:55
